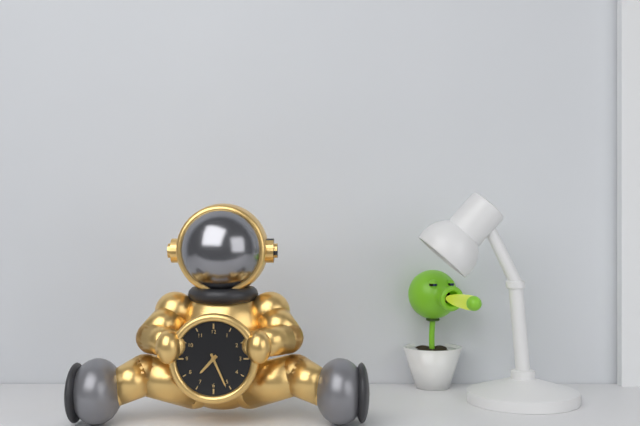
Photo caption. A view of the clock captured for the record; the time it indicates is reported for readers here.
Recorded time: 7:26
